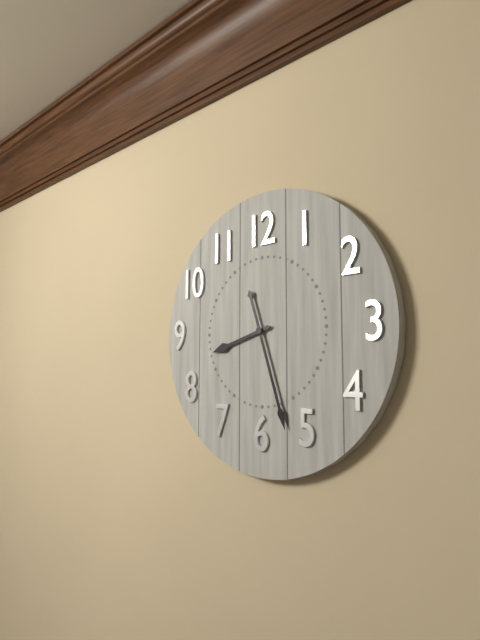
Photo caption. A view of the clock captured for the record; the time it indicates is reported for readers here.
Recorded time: 8:27
